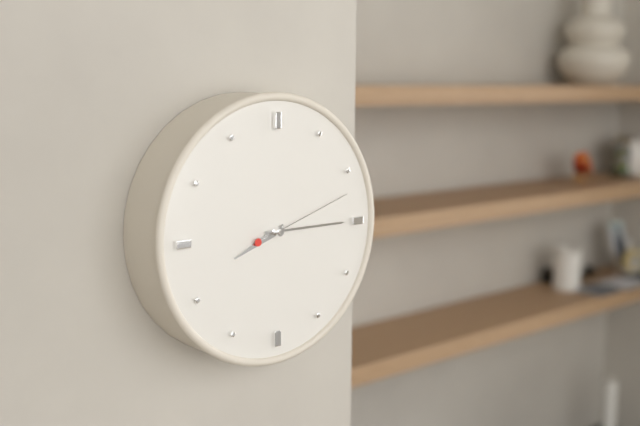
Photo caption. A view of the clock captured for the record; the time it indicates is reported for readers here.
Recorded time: 8:15:12
